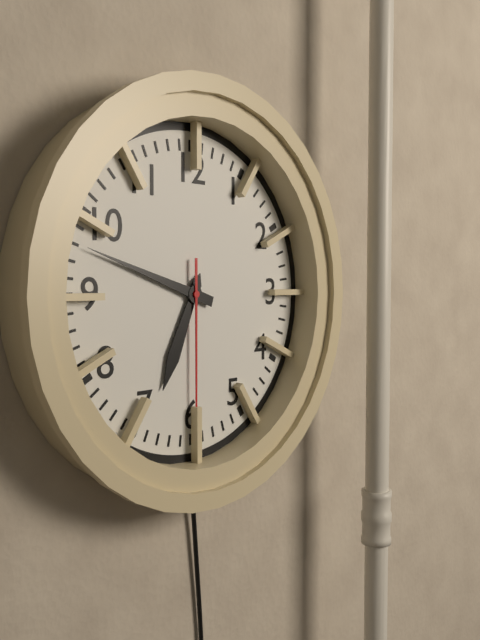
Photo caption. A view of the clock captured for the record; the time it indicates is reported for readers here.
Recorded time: 6:48:30
